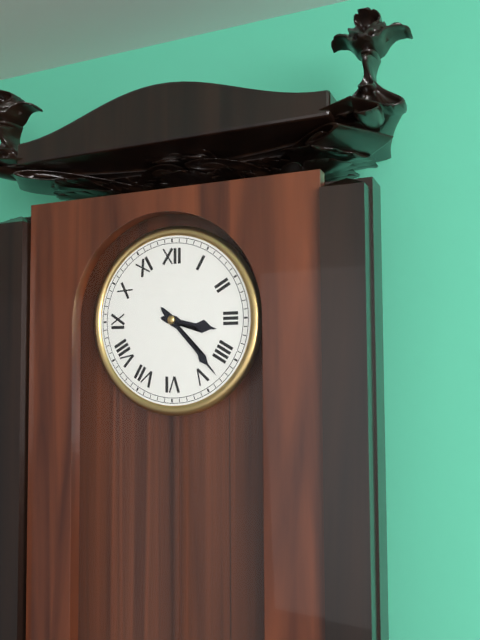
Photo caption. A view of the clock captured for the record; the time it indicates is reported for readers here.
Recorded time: 3:23
